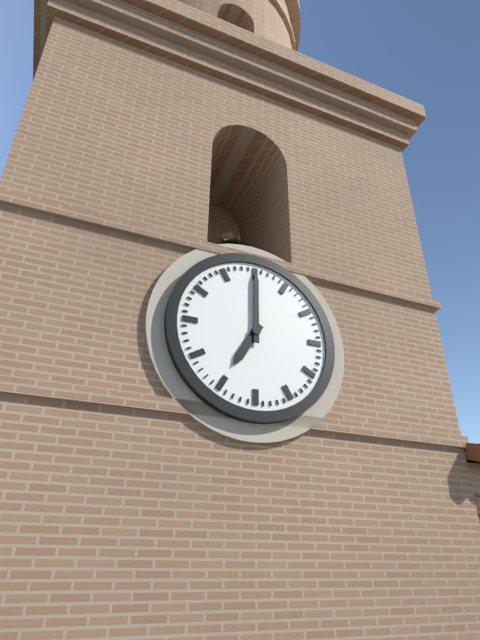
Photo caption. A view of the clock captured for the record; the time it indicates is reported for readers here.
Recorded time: 7:00
